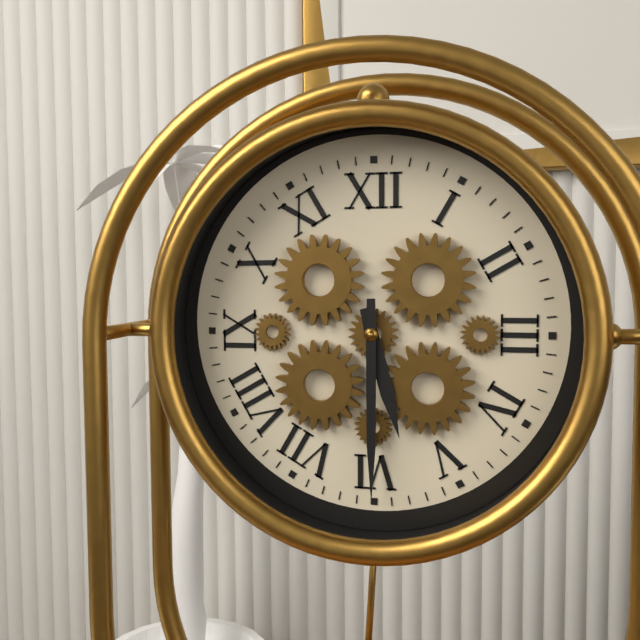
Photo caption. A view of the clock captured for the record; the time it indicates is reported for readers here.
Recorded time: 5:30
